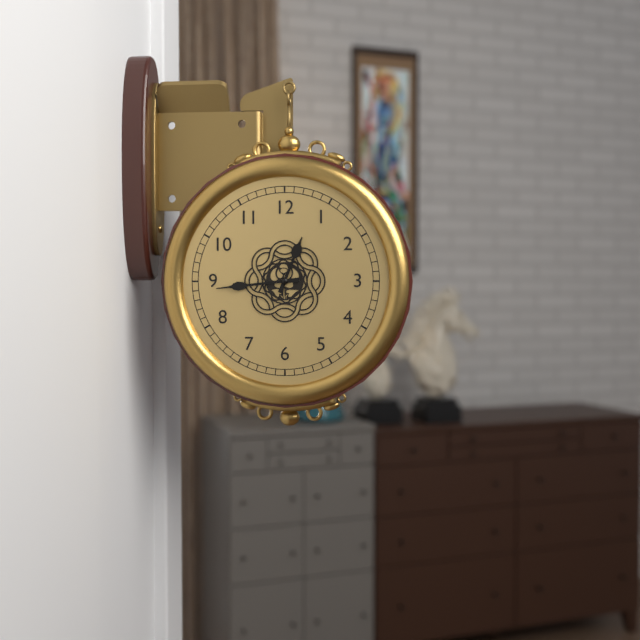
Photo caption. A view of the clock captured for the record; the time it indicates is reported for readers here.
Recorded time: 12:44
